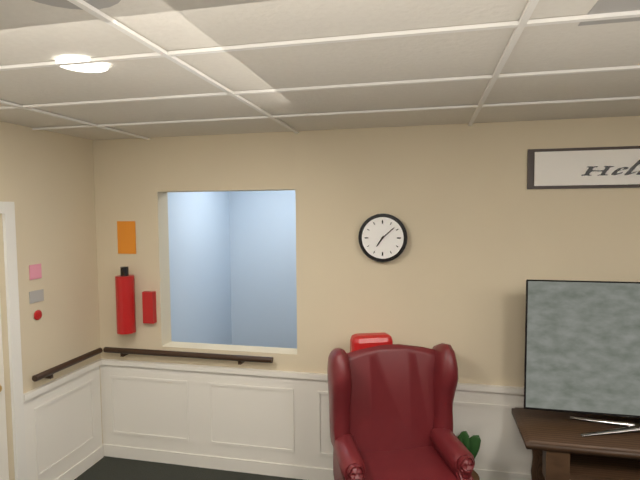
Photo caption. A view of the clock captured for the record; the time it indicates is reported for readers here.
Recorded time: 7:08
